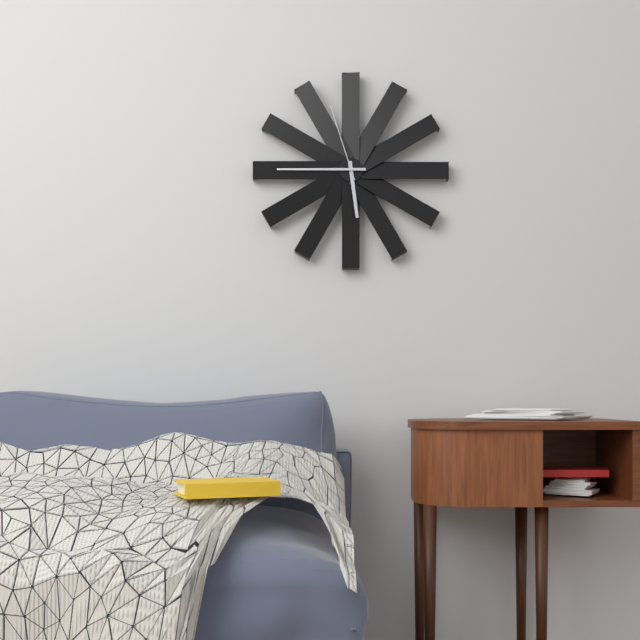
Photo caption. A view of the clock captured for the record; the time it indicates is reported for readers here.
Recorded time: 5:45:57
